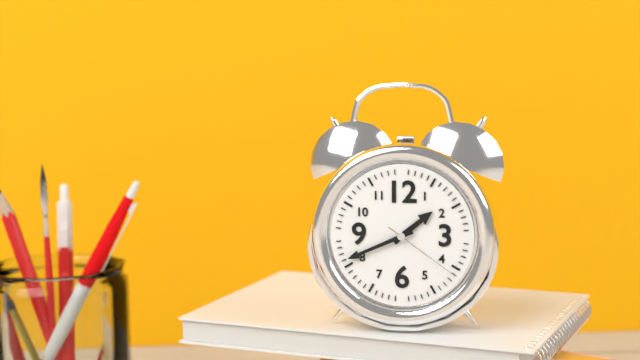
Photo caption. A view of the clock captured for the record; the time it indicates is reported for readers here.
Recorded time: 1:41:21
